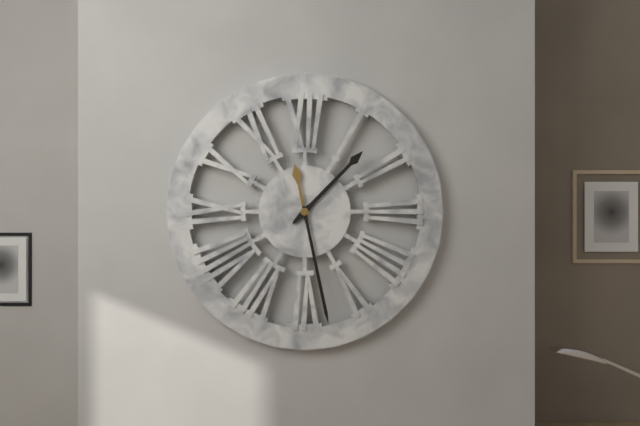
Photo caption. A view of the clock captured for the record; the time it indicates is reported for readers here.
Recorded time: 1:28
